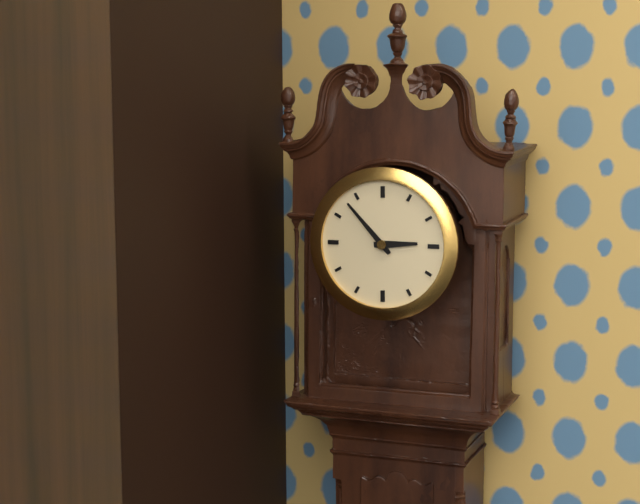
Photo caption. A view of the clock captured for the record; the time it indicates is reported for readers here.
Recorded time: 2:53
